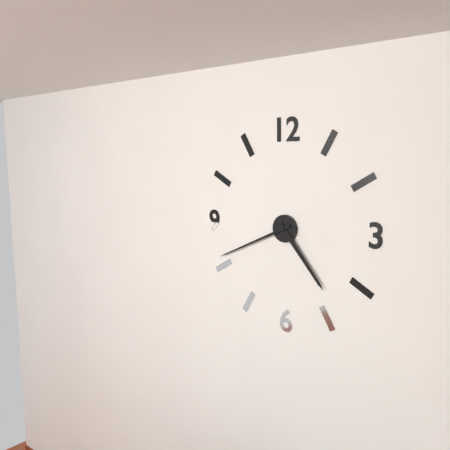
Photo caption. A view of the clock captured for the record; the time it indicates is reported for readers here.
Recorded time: 4:41
